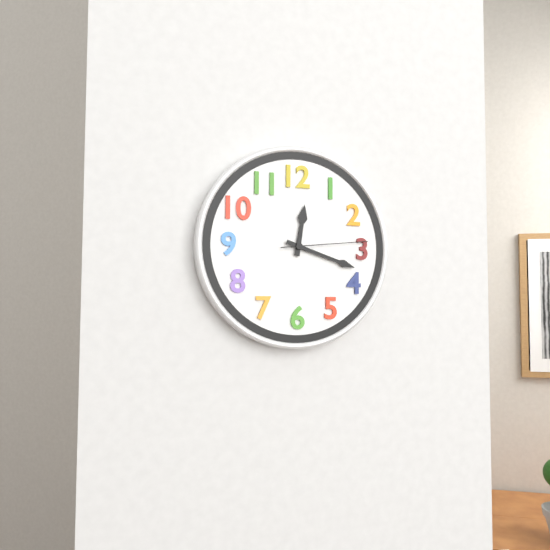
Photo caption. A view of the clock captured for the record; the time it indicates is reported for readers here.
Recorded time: 12:18:14
